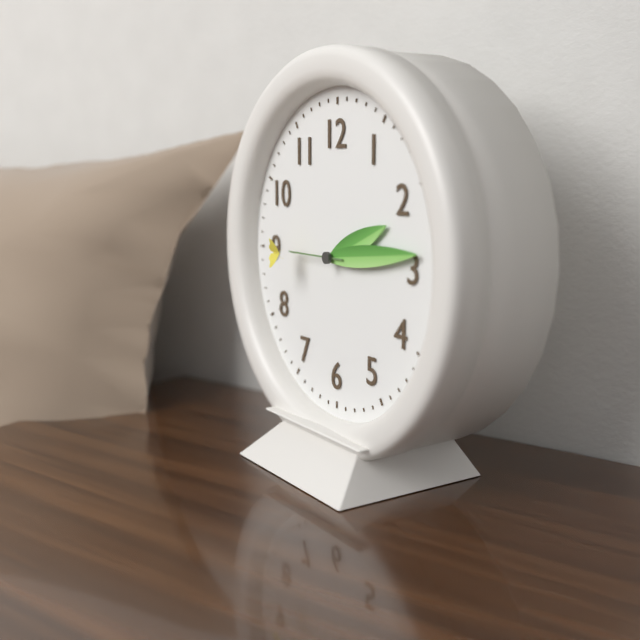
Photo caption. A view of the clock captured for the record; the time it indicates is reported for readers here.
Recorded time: 2:14:45
